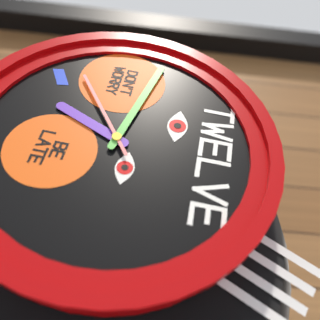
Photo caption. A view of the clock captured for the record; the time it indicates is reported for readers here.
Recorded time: 6:47:39
